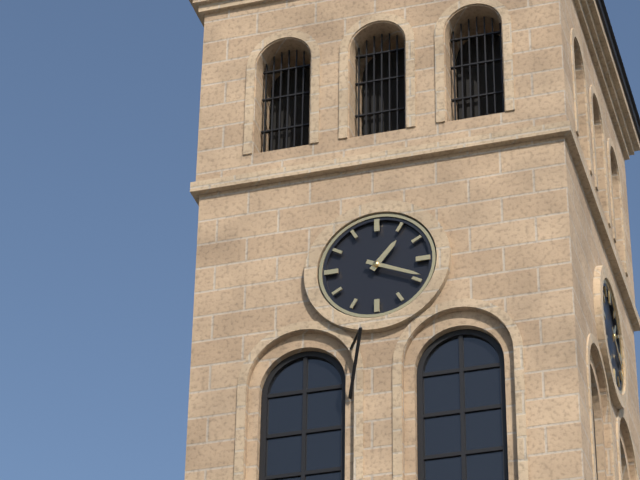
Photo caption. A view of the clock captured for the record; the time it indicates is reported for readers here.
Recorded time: 1:19
